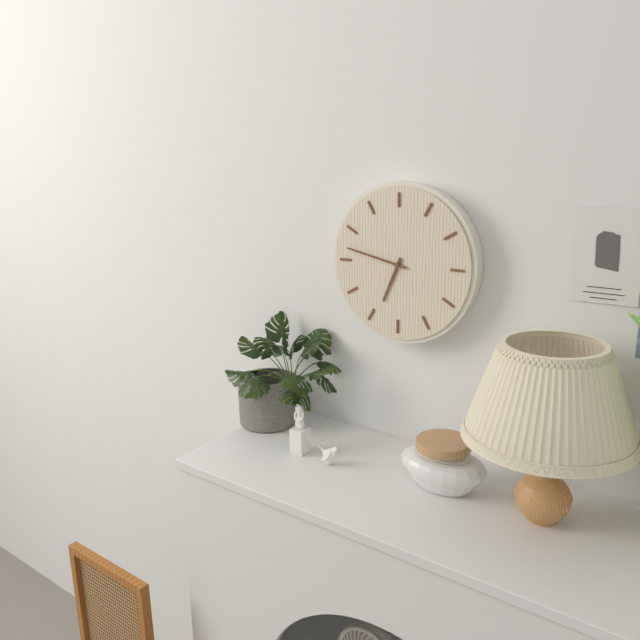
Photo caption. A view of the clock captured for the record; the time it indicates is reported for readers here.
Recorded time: 6:47
